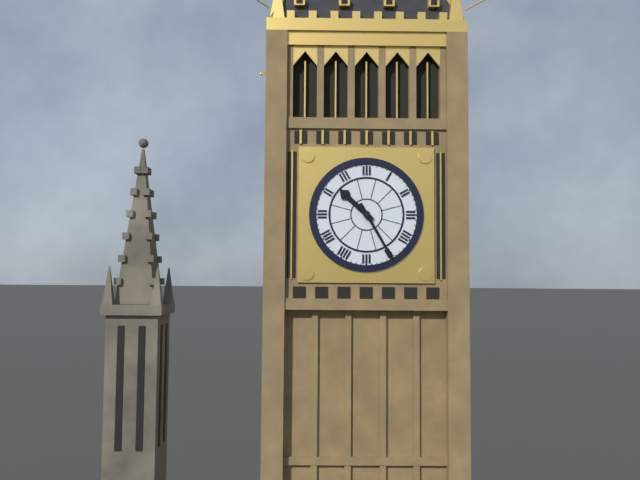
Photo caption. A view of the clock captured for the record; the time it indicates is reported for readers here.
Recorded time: 10:25
